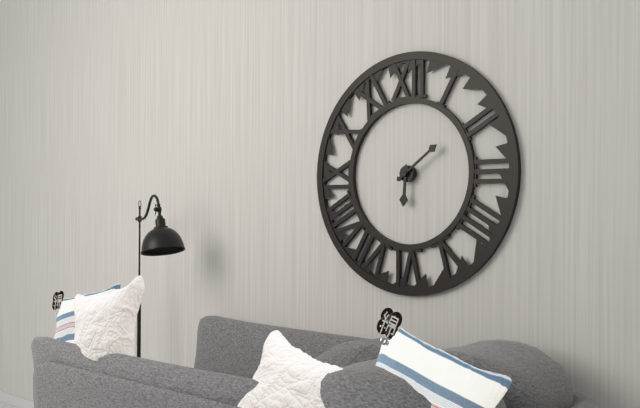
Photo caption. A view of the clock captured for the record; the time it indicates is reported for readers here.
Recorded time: 6:09
